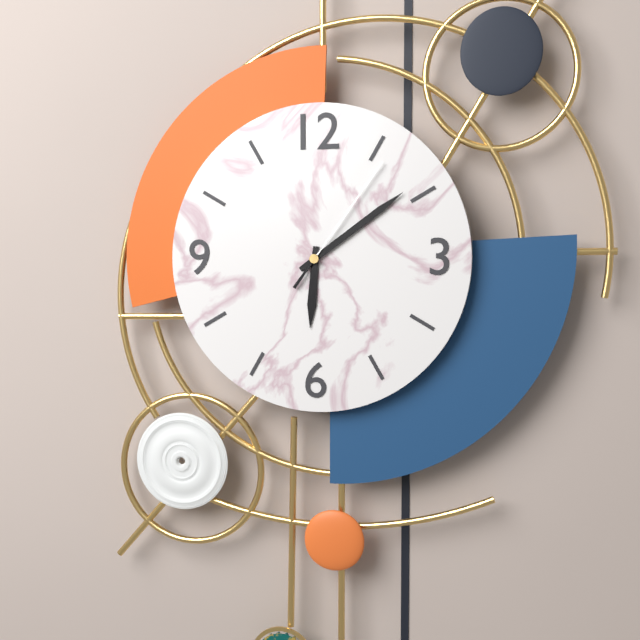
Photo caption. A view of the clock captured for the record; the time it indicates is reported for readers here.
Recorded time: 6:09:06
